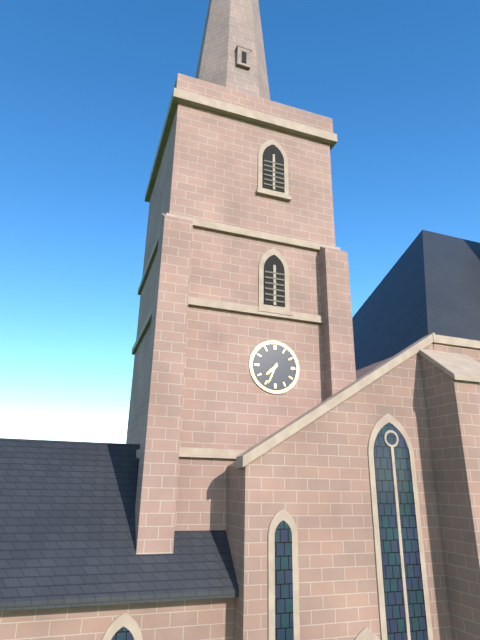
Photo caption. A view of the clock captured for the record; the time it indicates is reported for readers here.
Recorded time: 7:34
